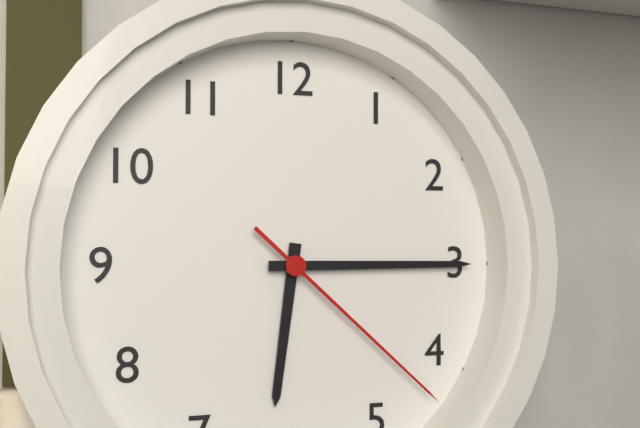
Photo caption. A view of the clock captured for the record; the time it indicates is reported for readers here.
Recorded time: 6:15:22
